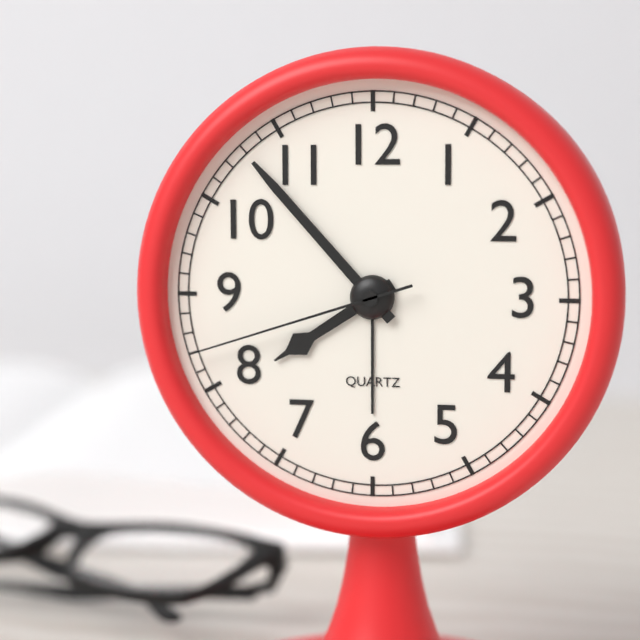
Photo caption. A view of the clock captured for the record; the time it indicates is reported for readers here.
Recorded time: 7:53:42
